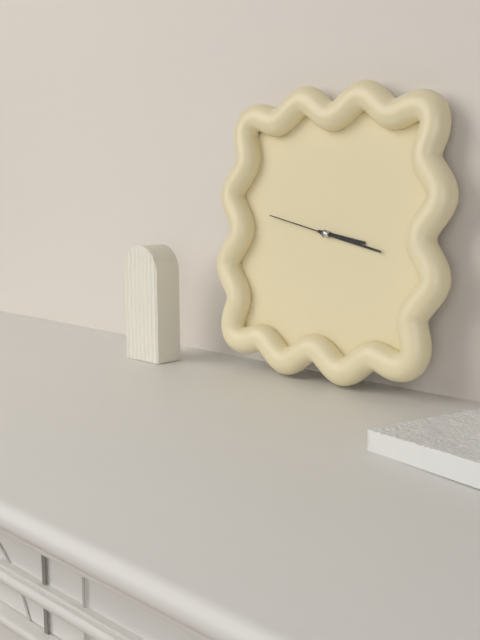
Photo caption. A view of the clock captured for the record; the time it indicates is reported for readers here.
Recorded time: 3:17:47
